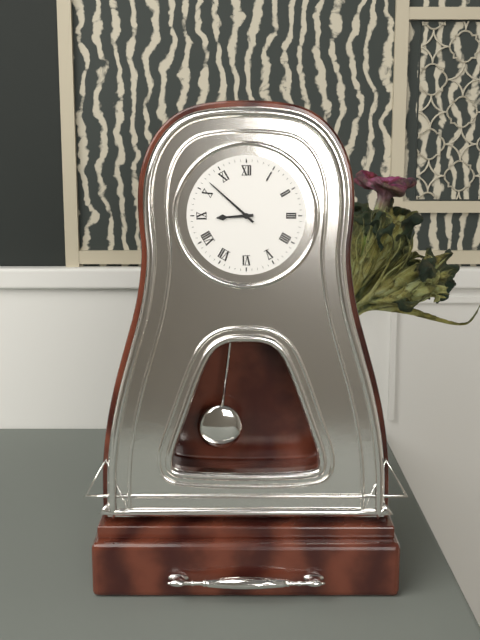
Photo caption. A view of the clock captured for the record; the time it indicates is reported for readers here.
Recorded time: 8:52
